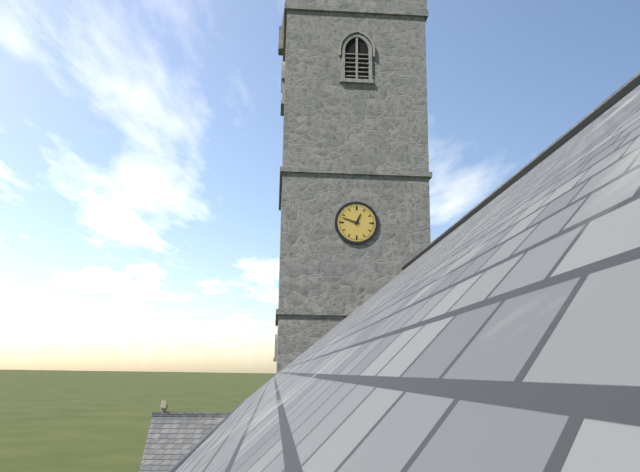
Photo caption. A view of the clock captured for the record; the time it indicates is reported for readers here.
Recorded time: 12:48
